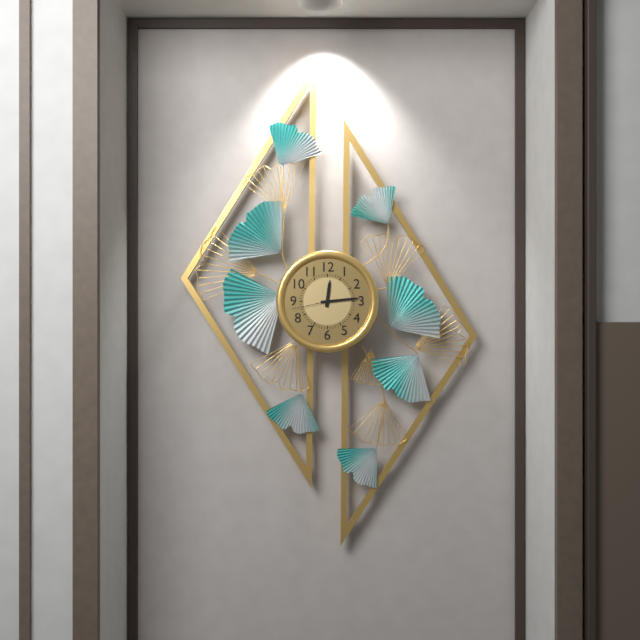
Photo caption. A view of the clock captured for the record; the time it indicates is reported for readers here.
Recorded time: 12:14
